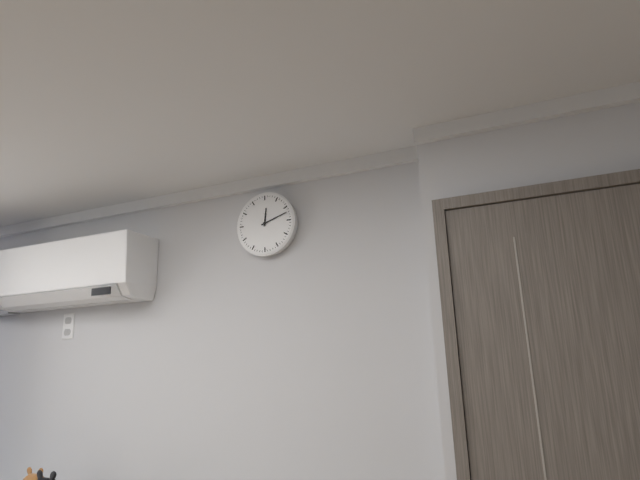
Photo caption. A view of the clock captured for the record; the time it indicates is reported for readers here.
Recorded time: 12:12
